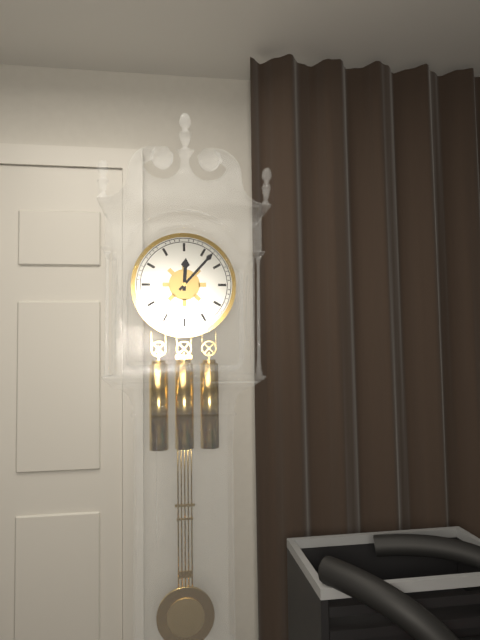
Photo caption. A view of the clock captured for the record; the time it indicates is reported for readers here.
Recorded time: 12:07
